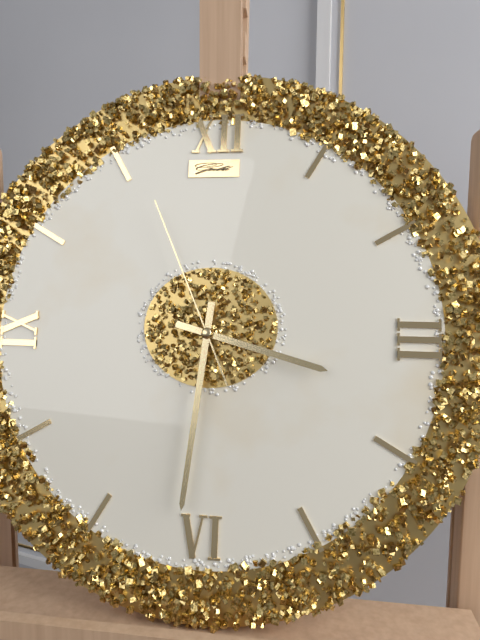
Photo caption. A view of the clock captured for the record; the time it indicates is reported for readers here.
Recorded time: 3:31:56
